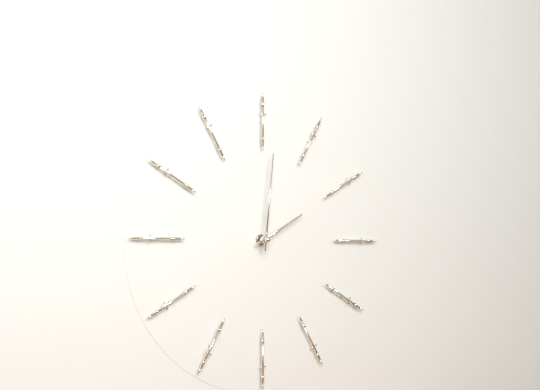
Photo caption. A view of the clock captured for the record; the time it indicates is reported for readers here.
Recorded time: 2:01
